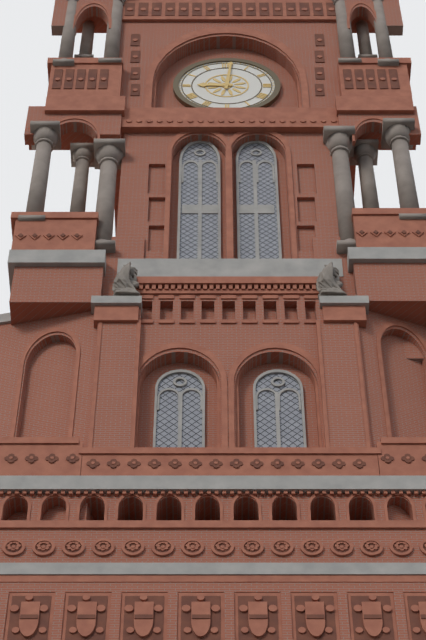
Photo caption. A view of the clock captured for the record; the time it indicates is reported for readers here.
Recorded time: 9:01
